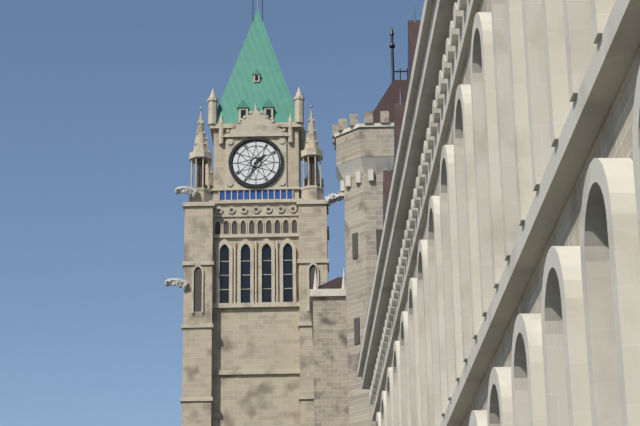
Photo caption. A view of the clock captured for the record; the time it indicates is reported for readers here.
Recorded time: 1:34
